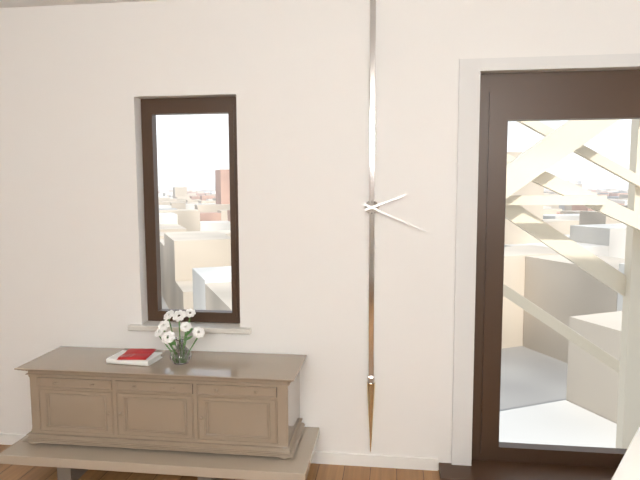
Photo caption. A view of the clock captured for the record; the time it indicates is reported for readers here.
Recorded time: 2:19
